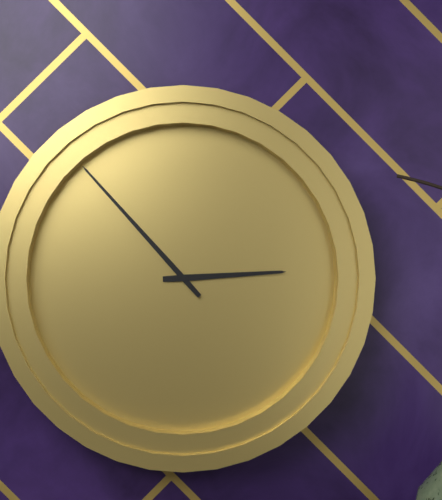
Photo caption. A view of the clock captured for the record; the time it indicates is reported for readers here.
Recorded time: 2:53
